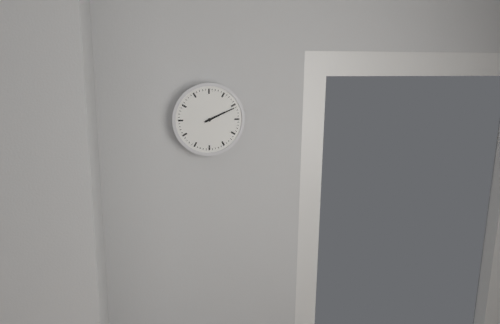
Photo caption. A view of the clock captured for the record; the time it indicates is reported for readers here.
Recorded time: 2:11
